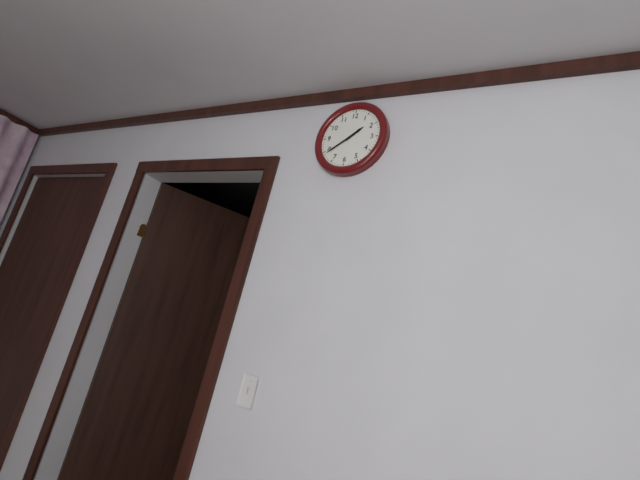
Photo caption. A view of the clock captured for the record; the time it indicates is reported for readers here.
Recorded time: 1:39
